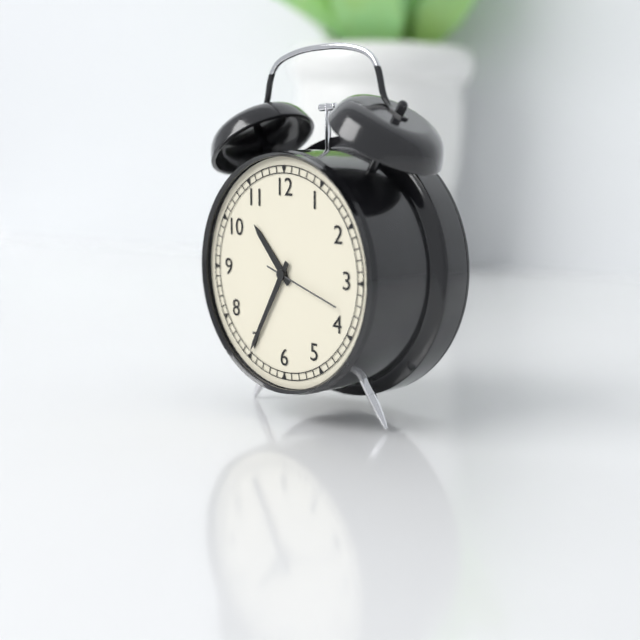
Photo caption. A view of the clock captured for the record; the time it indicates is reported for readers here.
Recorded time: 10:35:18
